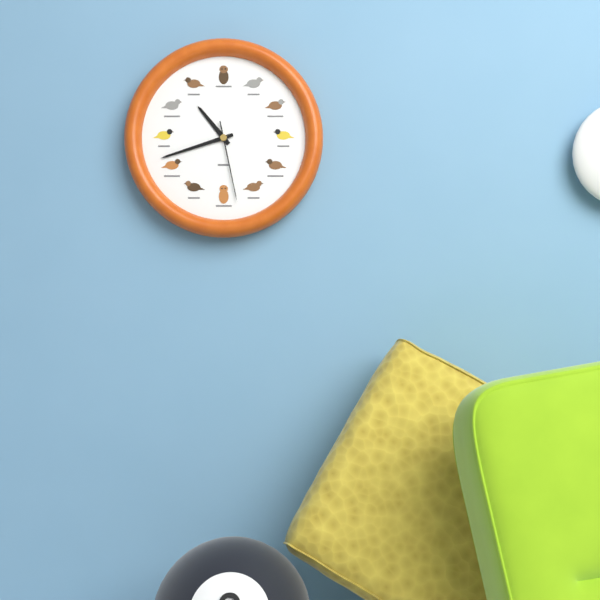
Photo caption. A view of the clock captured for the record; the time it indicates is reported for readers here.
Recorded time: 10:42:28
